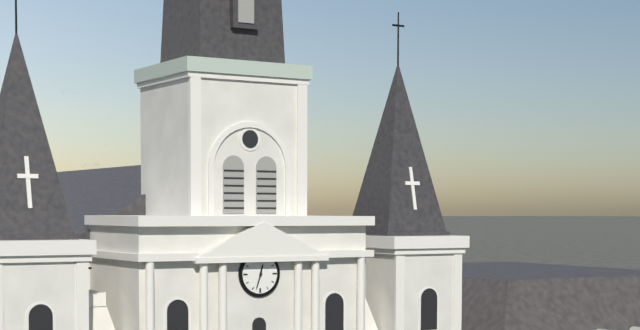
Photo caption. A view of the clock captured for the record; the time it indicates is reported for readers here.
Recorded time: 12:33
